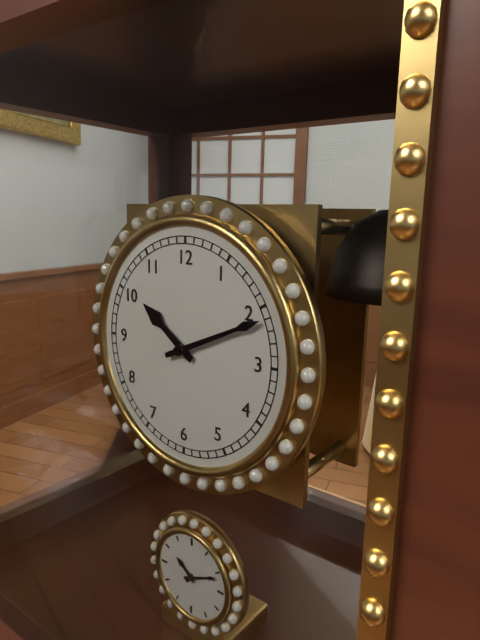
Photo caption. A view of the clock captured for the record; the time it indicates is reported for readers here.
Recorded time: 10:11
